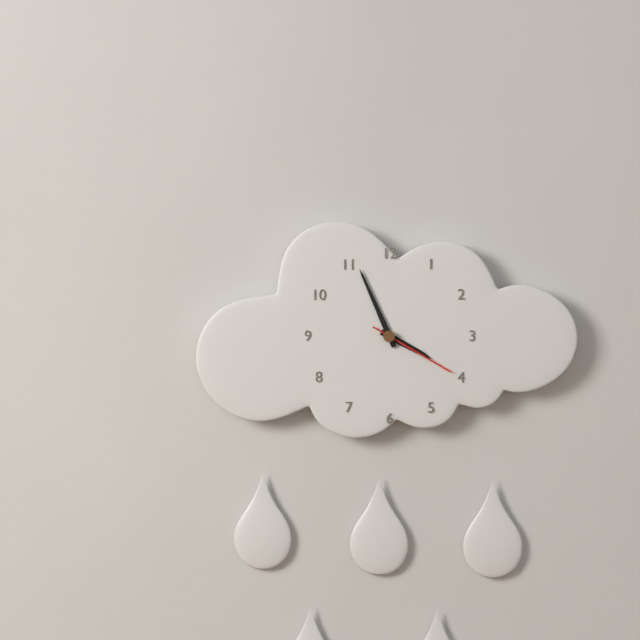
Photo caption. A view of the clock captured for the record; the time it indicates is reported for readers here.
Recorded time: 3:56:20
